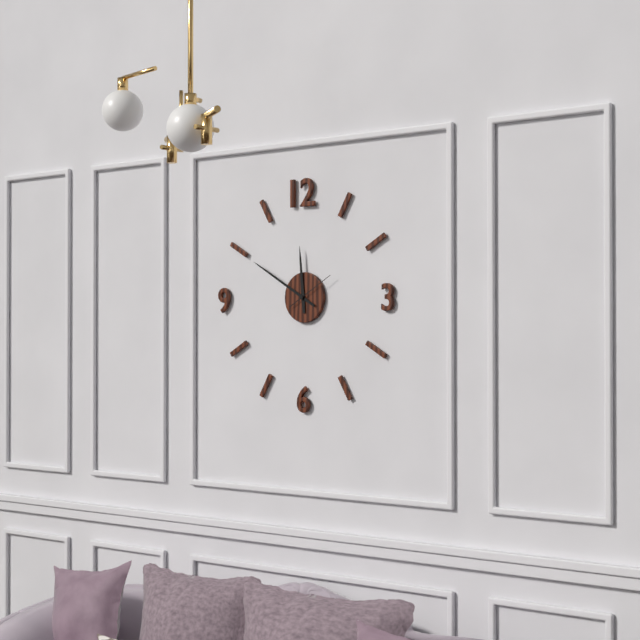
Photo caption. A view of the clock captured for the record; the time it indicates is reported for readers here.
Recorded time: 11:50
